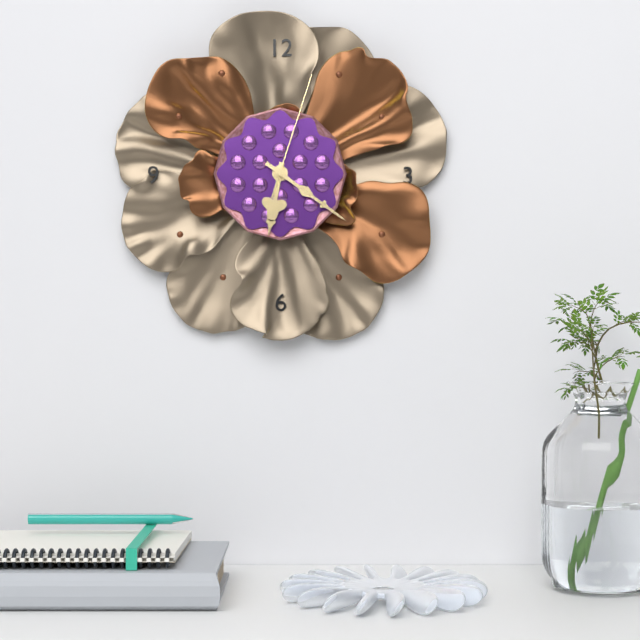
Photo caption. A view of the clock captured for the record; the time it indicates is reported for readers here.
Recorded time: 6:21:03
